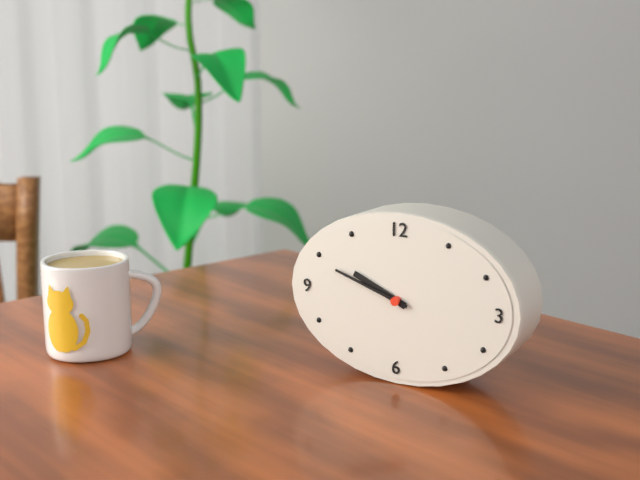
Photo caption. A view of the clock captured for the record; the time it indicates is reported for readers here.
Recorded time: 9:48
